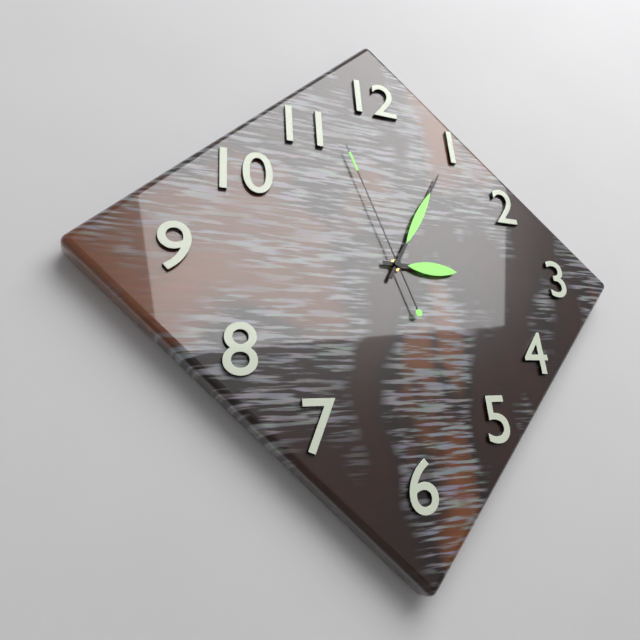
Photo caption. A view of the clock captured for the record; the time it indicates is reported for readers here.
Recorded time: 3:05:57
